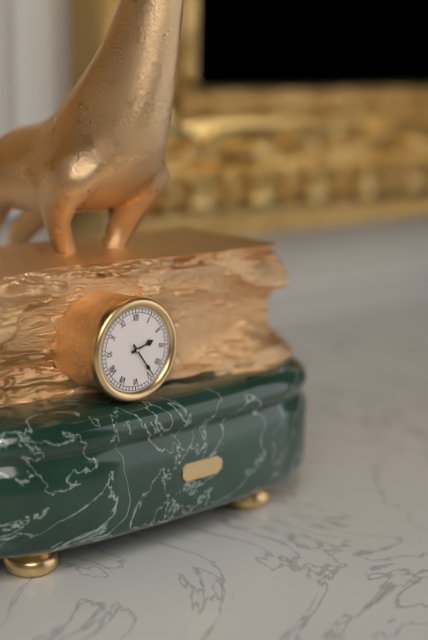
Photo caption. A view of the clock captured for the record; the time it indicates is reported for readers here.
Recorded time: 2:24
